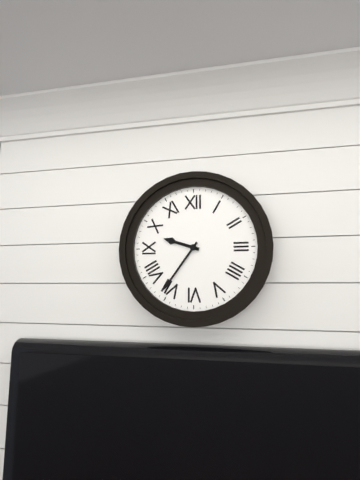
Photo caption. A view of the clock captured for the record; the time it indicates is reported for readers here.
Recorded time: 9:36
